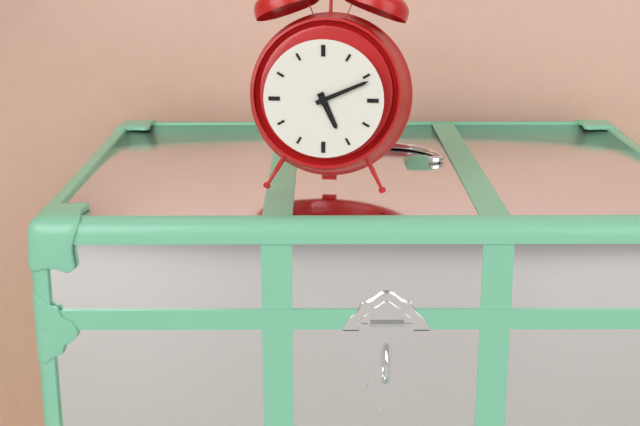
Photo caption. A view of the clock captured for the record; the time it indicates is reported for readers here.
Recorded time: 5:11
